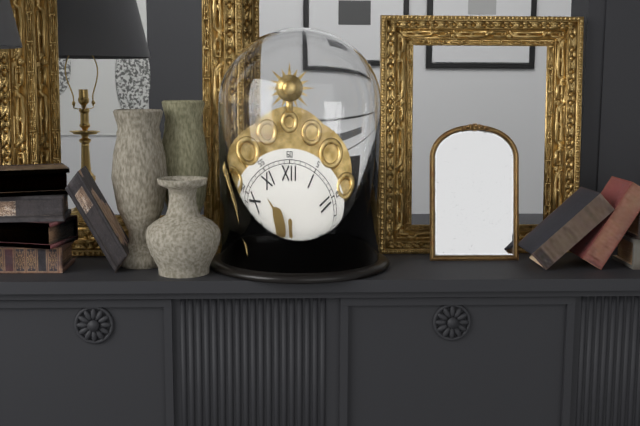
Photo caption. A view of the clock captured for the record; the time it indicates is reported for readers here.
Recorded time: 10:30
